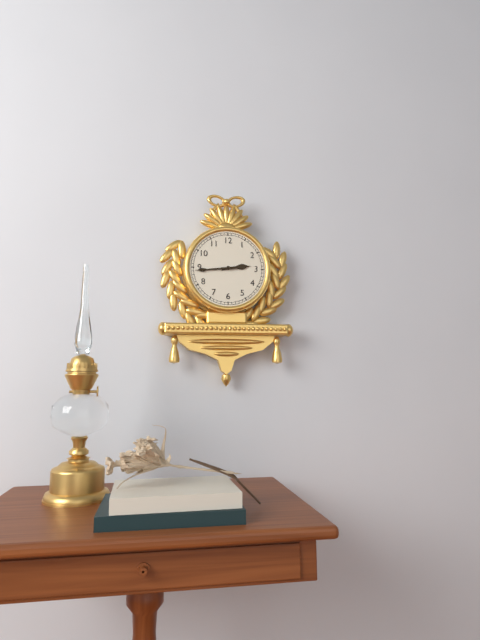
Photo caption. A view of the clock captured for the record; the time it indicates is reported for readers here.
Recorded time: 2:44
